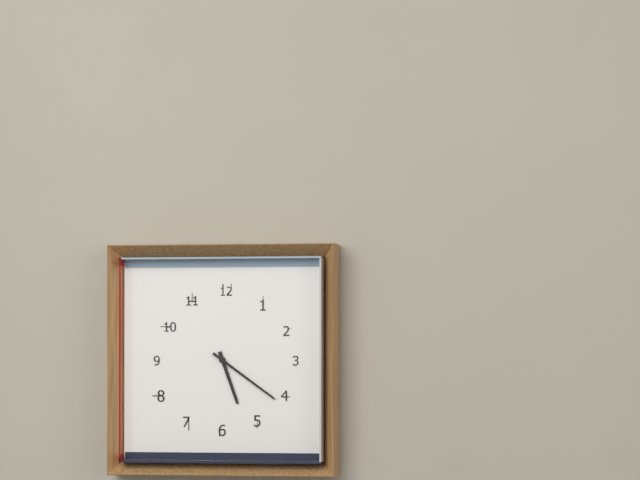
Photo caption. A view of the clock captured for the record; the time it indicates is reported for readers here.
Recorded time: 5:21
